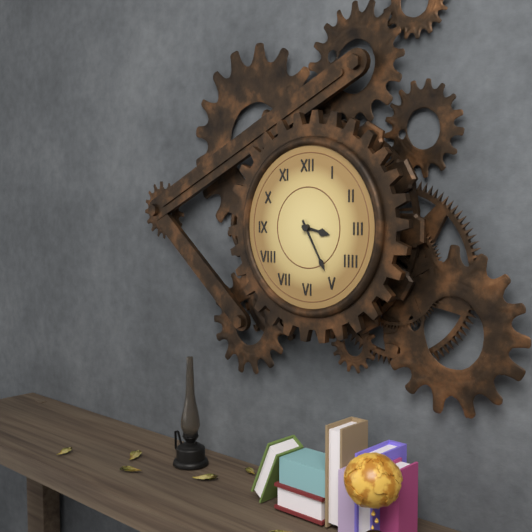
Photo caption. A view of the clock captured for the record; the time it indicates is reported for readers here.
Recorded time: 3:25
